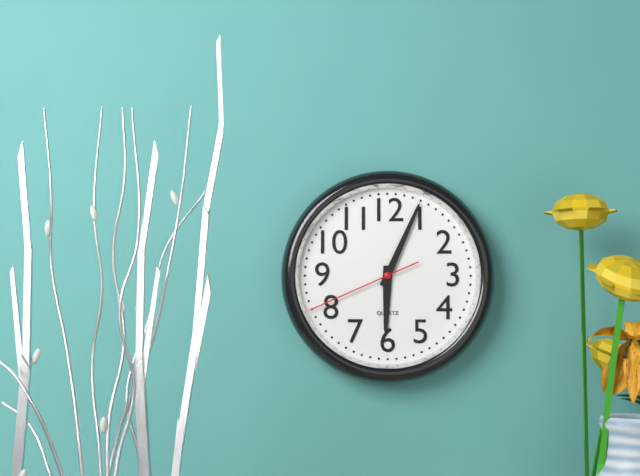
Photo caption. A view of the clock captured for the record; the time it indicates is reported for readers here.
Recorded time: 6:04:41
